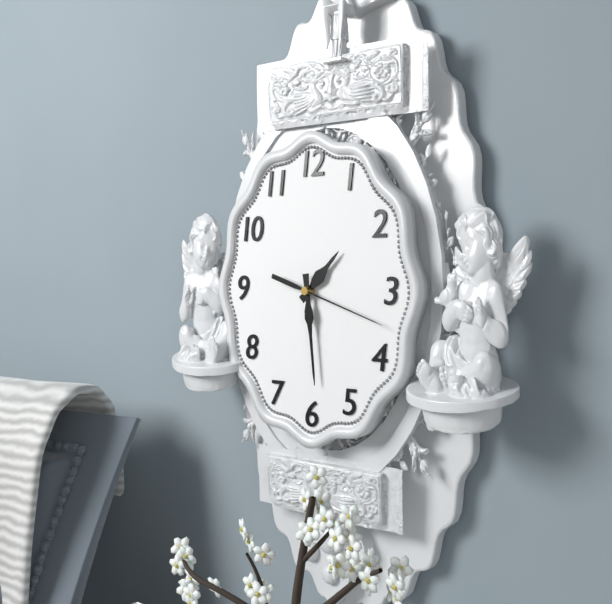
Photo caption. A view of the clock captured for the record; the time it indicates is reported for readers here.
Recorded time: 1:29:18
